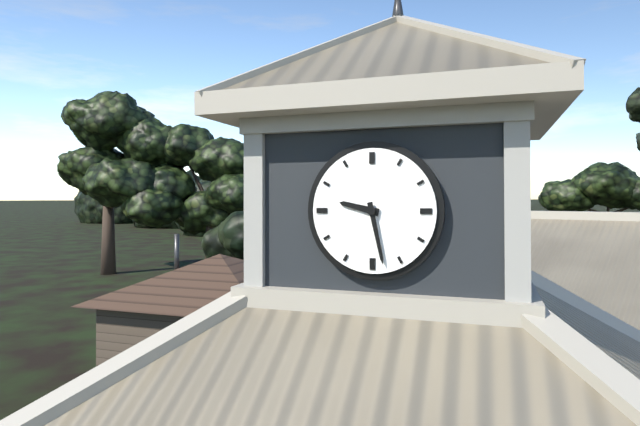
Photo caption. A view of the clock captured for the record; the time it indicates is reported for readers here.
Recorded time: 9:28
